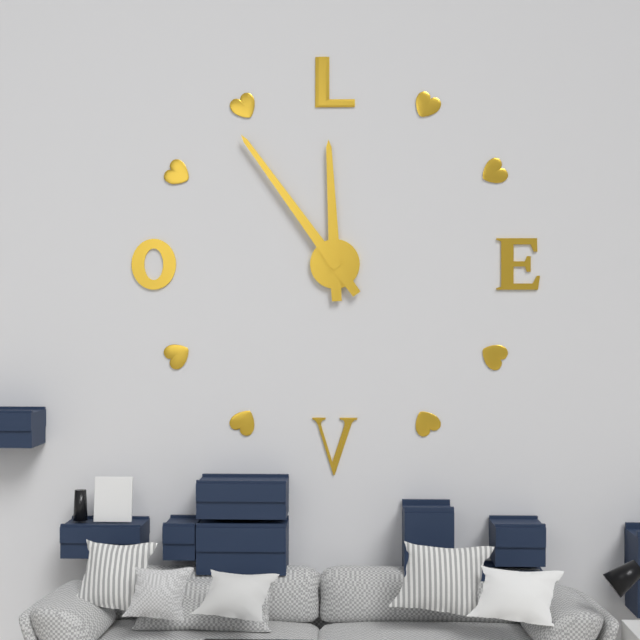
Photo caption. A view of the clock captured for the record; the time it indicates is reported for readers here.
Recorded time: 11:54
